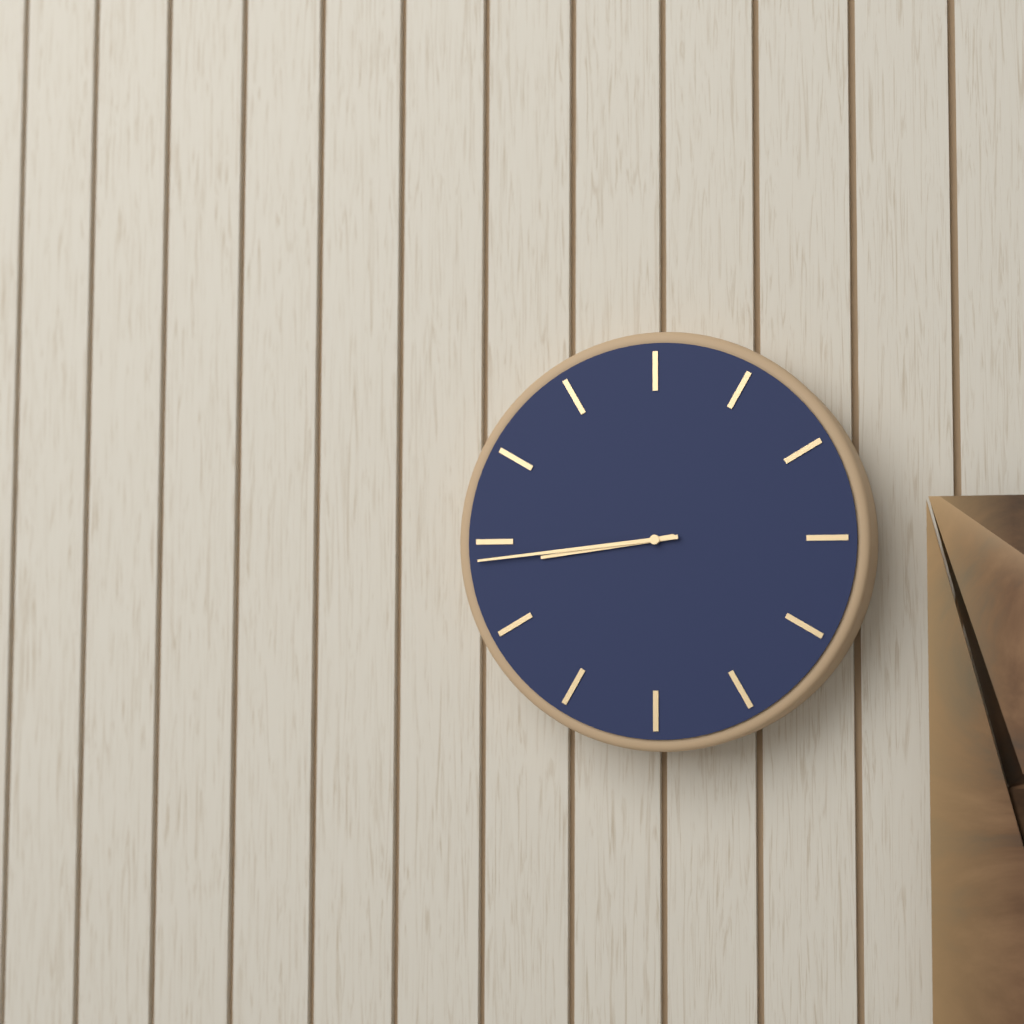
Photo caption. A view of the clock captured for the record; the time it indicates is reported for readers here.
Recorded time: 8:44
